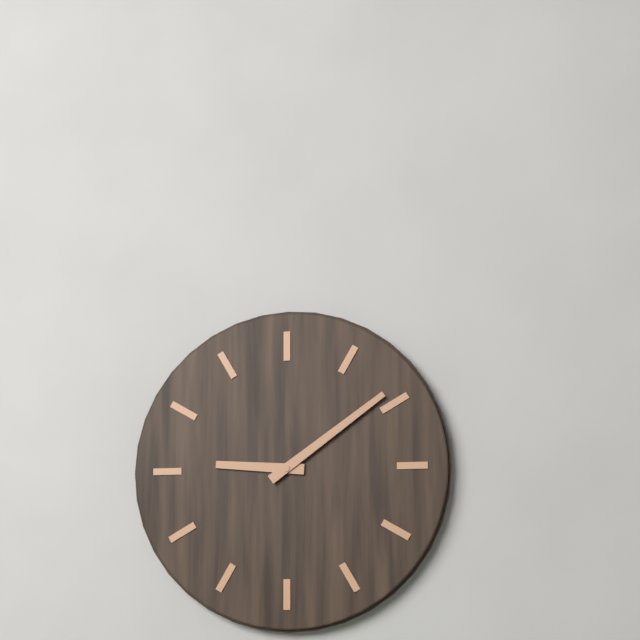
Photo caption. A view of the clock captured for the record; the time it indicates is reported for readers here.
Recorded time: 9:09
